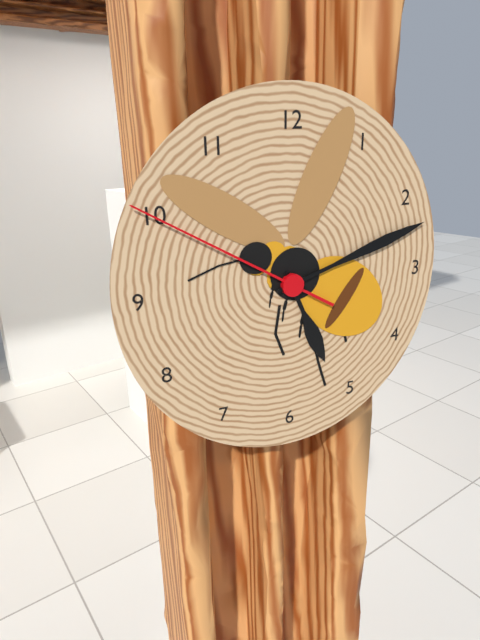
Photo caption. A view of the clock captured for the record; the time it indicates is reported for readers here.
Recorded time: 5:12:50
